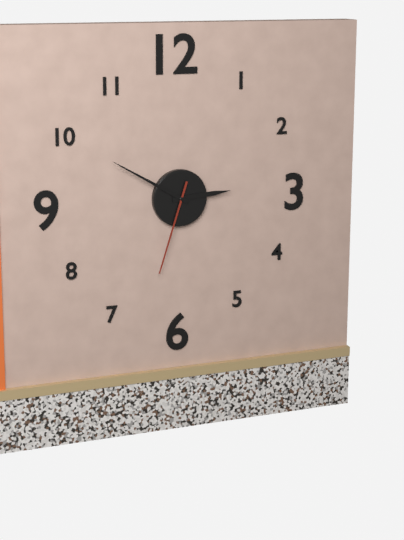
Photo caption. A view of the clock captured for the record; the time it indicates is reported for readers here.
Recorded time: 2:50:33
